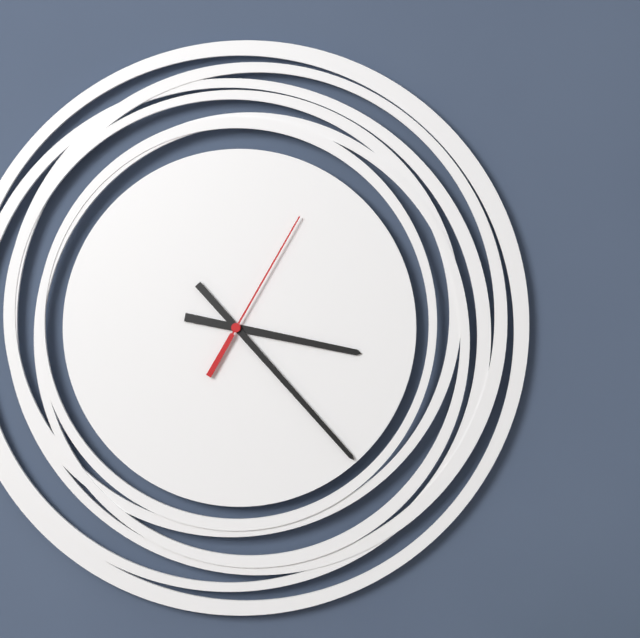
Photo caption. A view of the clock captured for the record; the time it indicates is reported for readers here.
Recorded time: 3:23:05
